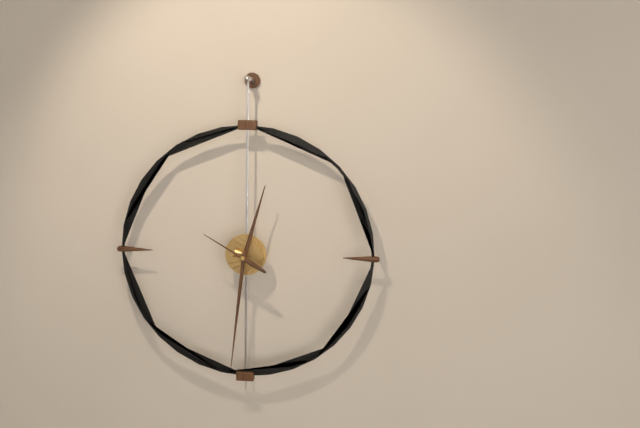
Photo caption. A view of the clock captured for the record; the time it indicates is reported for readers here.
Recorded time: 12:31:50
